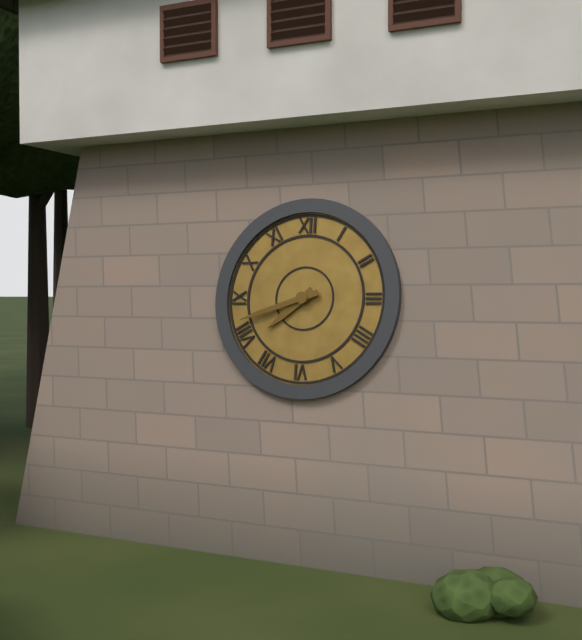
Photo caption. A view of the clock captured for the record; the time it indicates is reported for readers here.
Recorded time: 7:42
